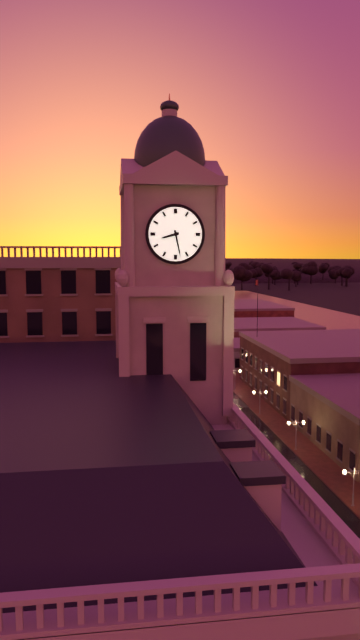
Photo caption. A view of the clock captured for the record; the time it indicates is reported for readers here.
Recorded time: 8:28
